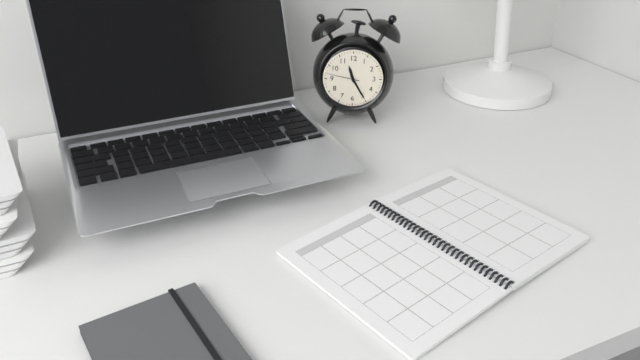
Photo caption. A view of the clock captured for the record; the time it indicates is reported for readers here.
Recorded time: 11:25
